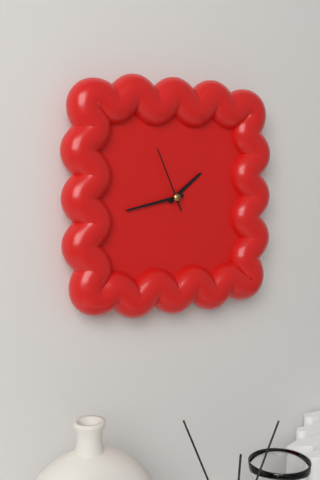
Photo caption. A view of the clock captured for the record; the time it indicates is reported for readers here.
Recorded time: 1:43:56
